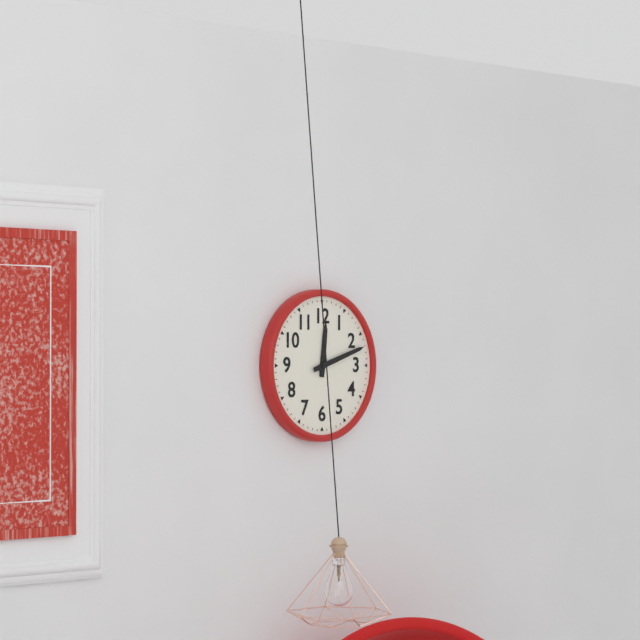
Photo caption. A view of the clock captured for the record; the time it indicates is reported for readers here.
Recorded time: 12:12
